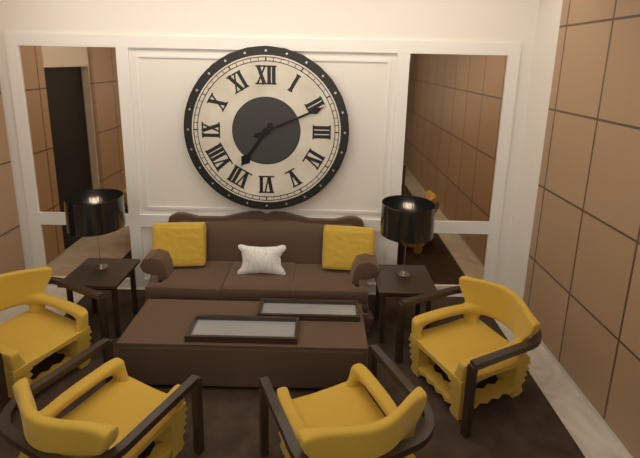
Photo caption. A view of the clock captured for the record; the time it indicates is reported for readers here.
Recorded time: 7:11
